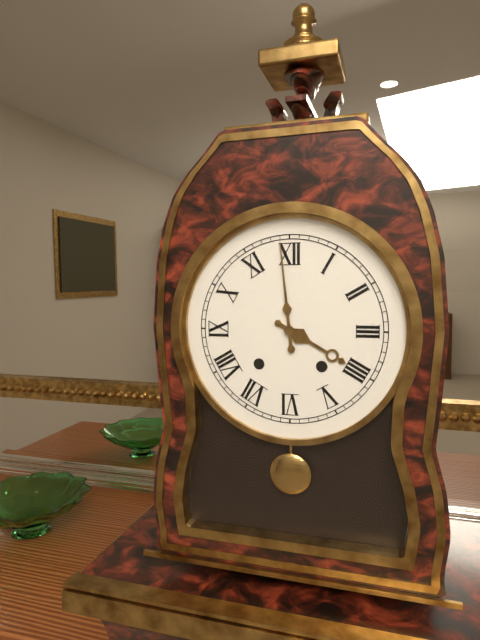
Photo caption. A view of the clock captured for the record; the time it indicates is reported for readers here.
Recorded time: 3:59
